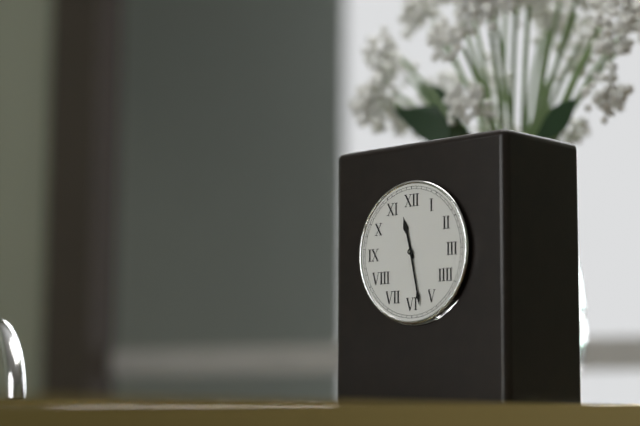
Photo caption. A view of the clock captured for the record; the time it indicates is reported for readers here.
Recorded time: 11:28
